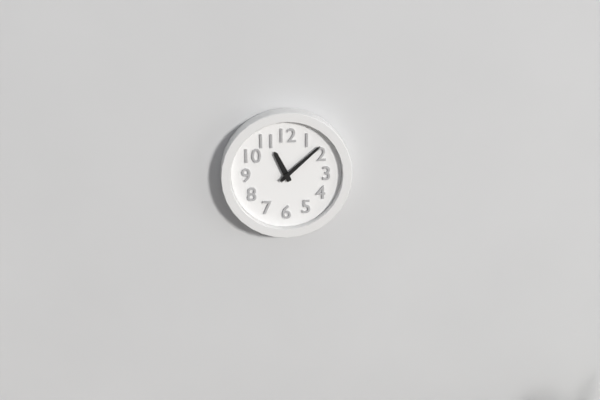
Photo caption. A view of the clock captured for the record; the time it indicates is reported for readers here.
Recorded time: 11:08
